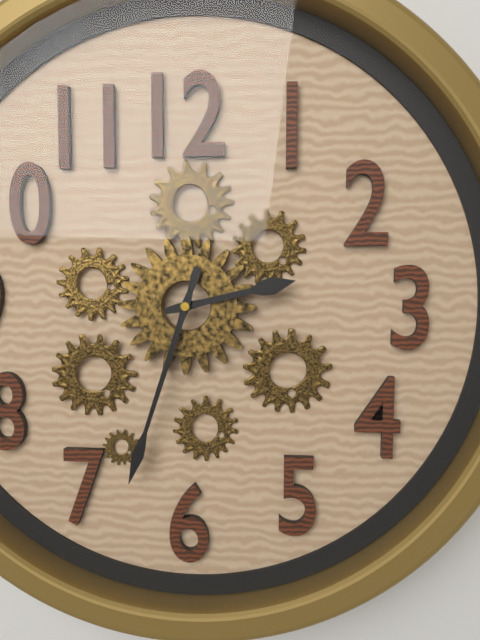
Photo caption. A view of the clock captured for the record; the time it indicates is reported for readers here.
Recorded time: 2:33
